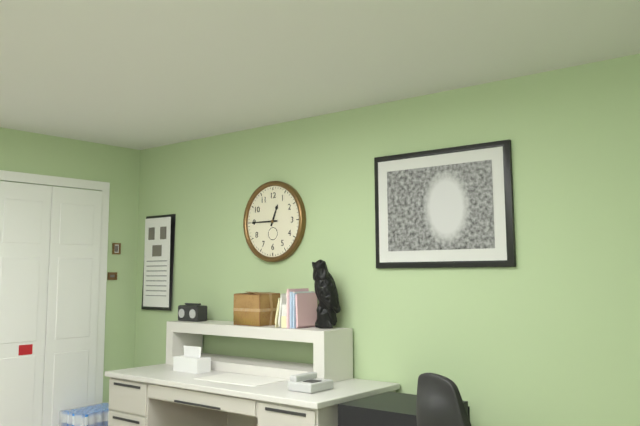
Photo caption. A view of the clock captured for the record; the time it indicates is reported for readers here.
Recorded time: 12:45
